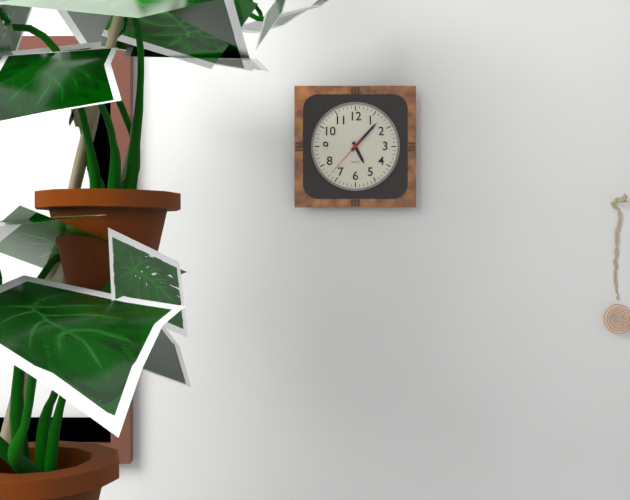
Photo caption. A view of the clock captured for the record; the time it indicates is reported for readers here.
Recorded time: 5:07
